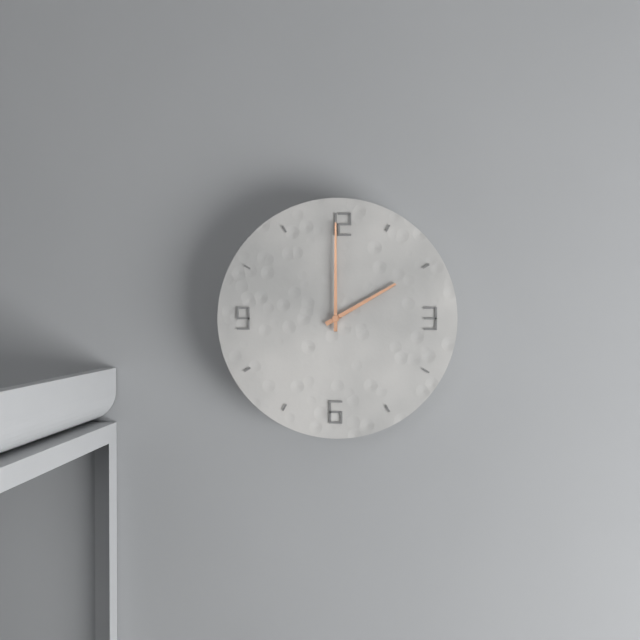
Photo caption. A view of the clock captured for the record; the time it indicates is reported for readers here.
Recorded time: 2:00
